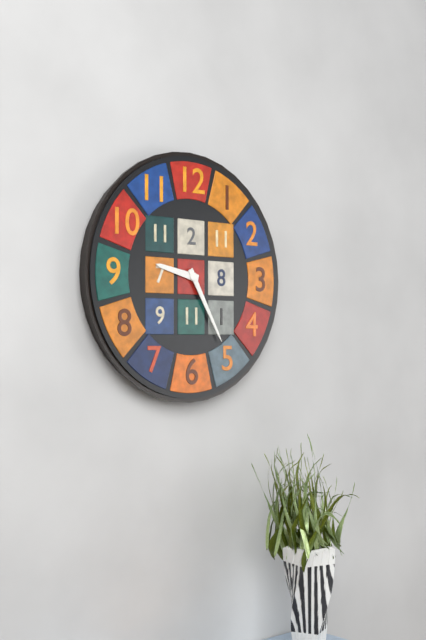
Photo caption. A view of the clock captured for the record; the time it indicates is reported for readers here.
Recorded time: 9:25
